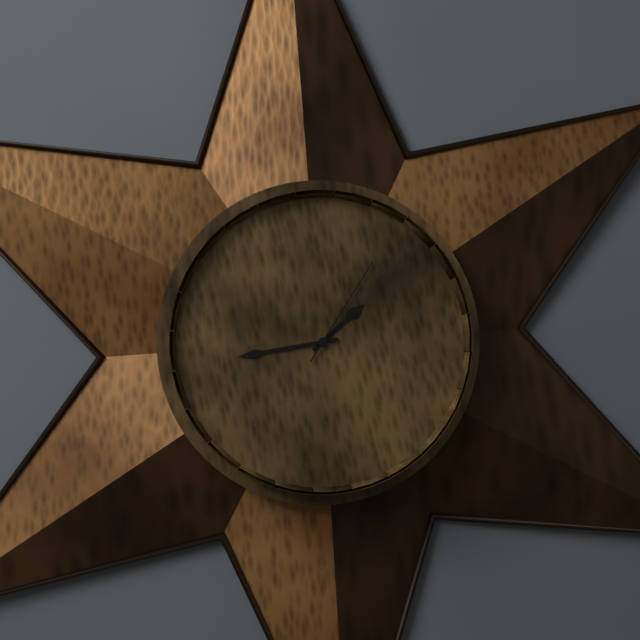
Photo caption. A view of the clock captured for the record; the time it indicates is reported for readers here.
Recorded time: 1:44:06
